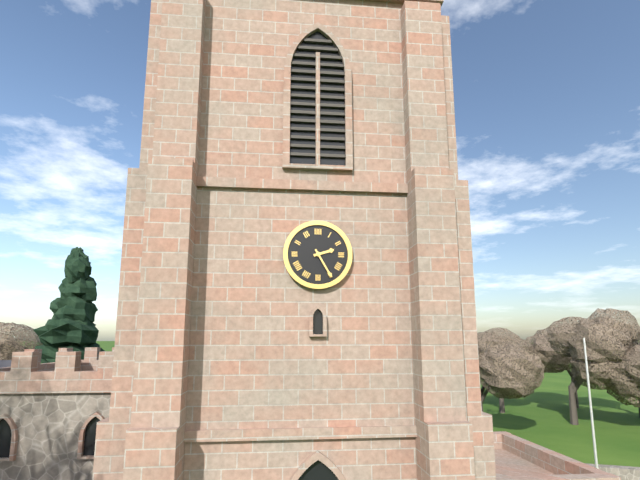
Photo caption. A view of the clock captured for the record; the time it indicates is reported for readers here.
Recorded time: 2:25
